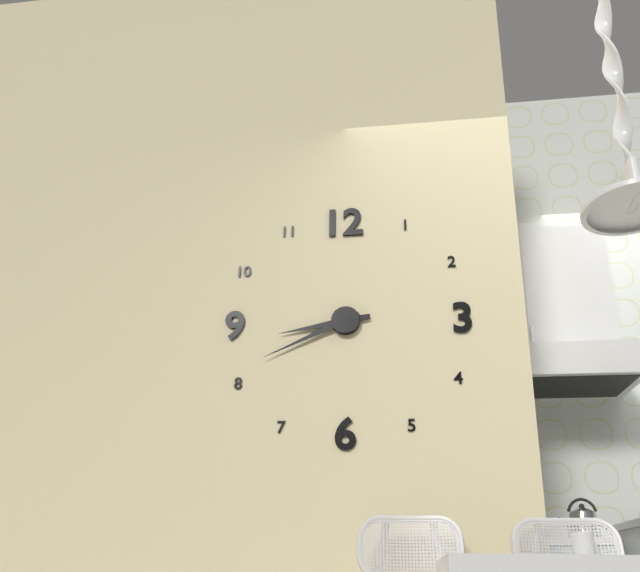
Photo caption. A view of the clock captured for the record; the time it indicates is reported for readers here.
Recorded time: 8:41
